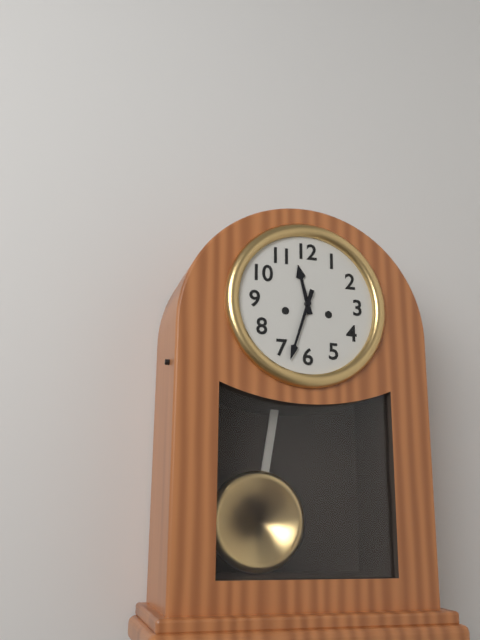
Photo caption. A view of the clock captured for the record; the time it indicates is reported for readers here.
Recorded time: 11:33
